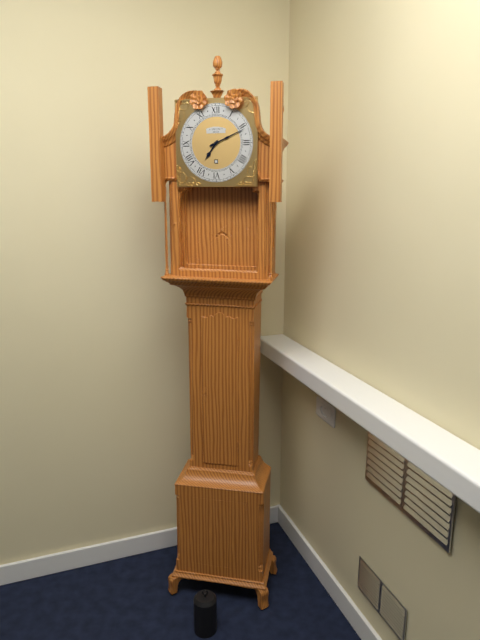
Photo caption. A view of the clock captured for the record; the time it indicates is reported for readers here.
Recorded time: 7:11
